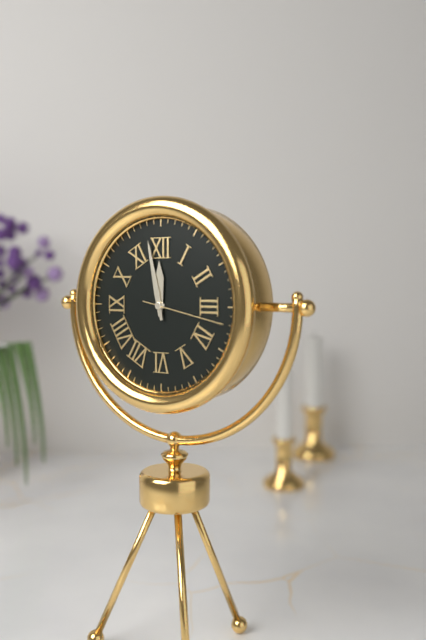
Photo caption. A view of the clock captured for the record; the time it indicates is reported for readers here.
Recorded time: 11:58:17
